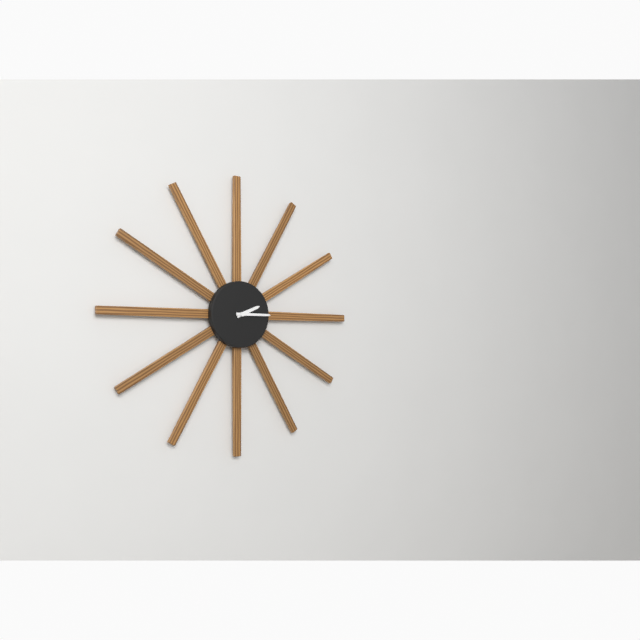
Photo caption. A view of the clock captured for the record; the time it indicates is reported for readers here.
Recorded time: 2:15
